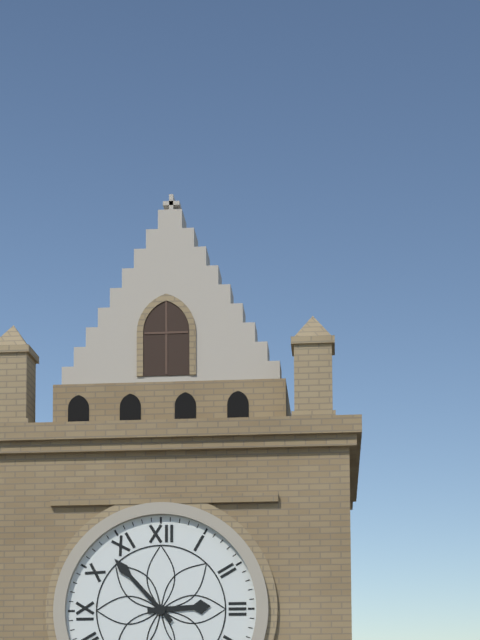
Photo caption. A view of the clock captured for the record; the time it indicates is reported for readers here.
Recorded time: 2:53
